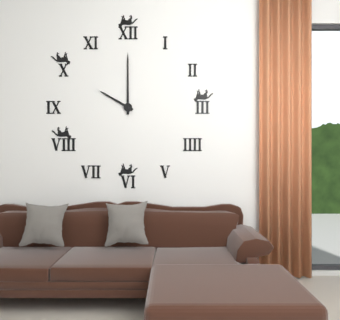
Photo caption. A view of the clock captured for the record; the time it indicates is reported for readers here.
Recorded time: 10:00
